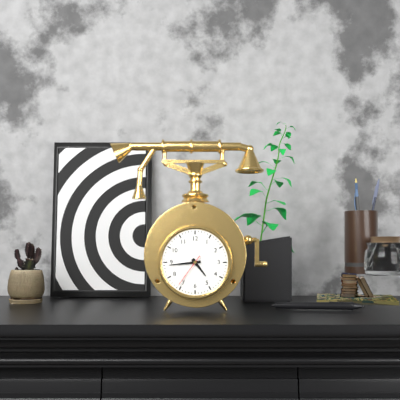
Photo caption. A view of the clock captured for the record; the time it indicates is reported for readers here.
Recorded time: 4:44
